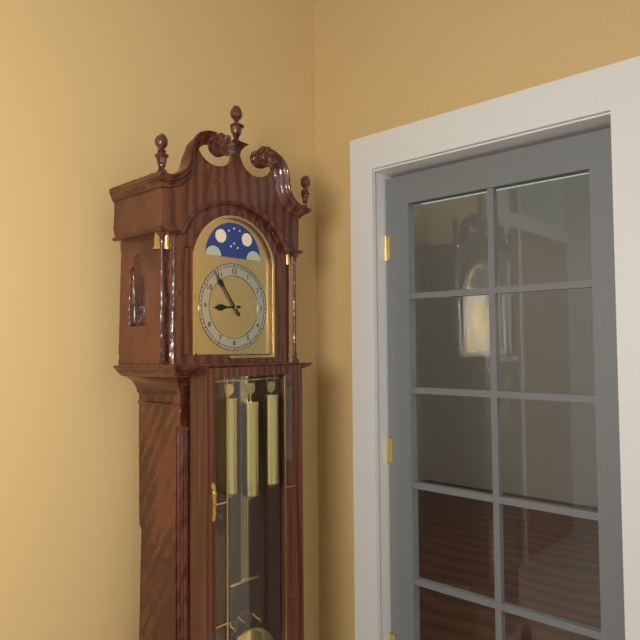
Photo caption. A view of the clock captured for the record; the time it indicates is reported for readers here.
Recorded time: 8:54
